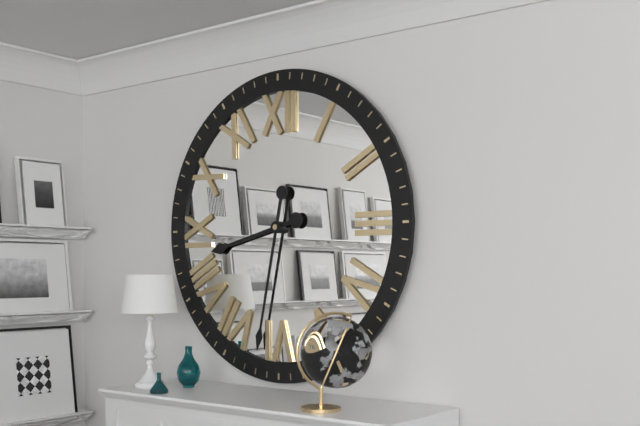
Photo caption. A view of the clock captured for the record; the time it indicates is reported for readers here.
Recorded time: 8:32
